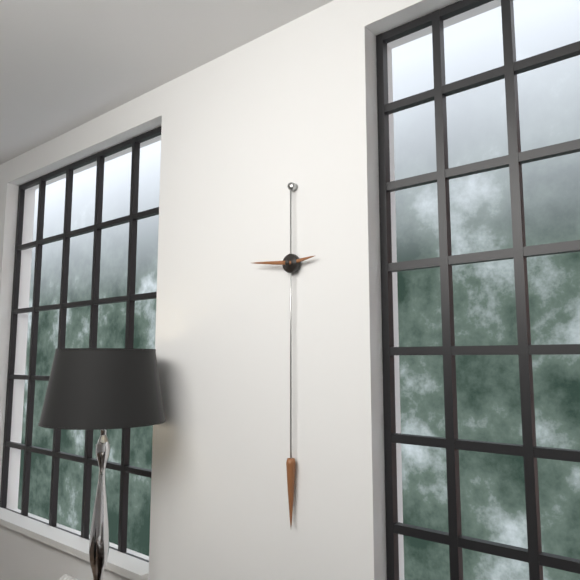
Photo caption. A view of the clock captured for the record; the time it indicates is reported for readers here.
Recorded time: 2:46
